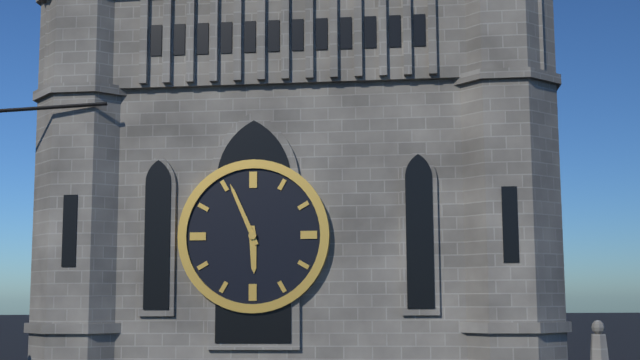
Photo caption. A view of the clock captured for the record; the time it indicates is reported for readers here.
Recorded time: 5:56
